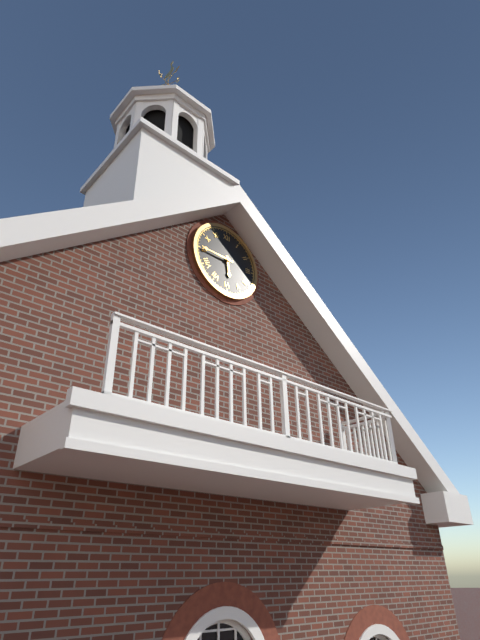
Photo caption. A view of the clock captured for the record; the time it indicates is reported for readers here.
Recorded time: 5:45
